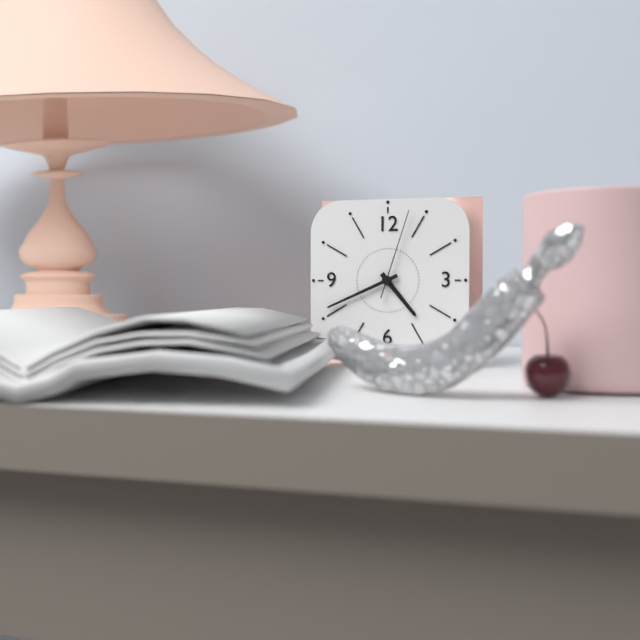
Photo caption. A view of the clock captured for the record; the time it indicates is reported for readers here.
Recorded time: 4:41:03
